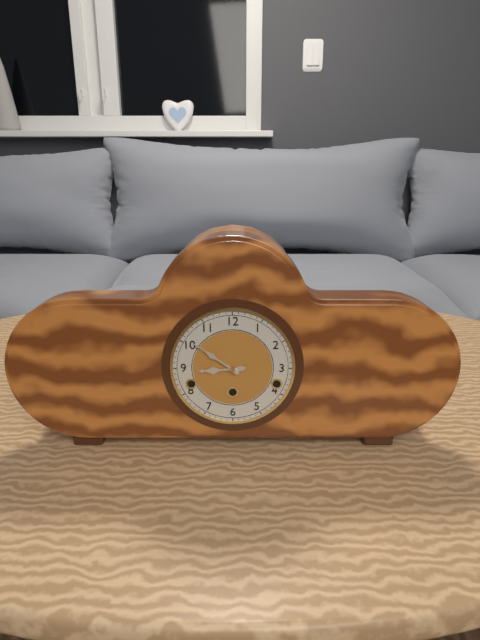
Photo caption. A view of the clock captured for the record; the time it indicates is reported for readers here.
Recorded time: 8:51
